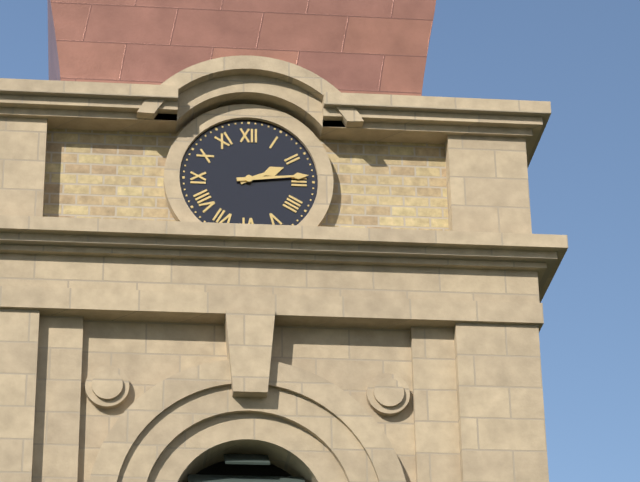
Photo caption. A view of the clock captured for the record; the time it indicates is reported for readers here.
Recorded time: 2:14
